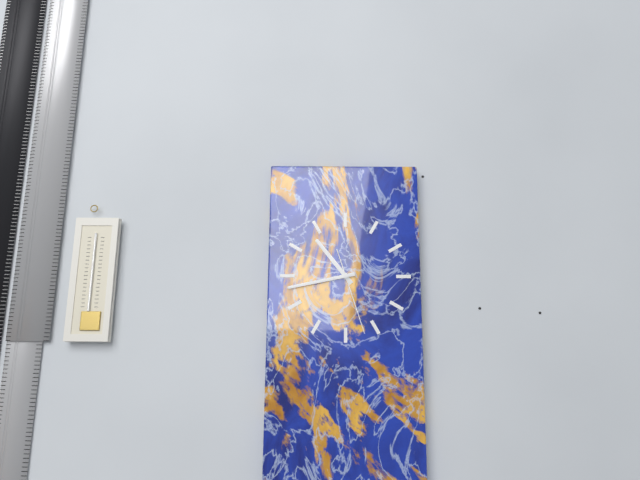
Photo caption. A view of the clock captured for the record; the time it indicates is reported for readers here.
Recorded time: 10:43:27
